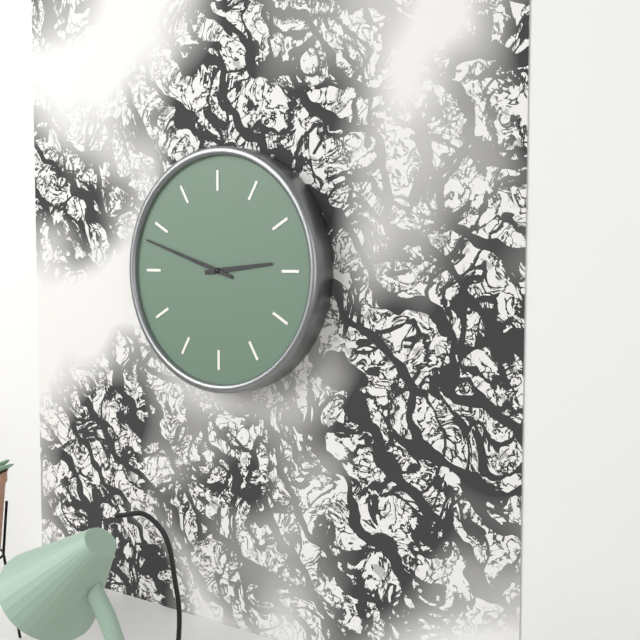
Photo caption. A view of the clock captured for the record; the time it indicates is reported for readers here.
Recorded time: 2:48
